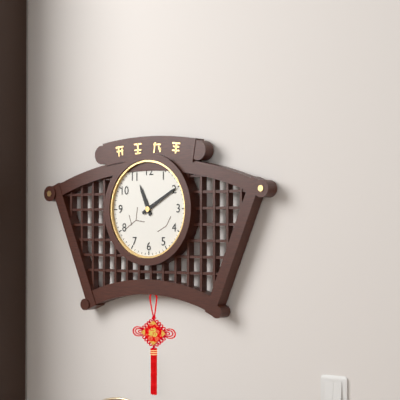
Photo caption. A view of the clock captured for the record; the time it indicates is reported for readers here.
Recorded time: 11:10
